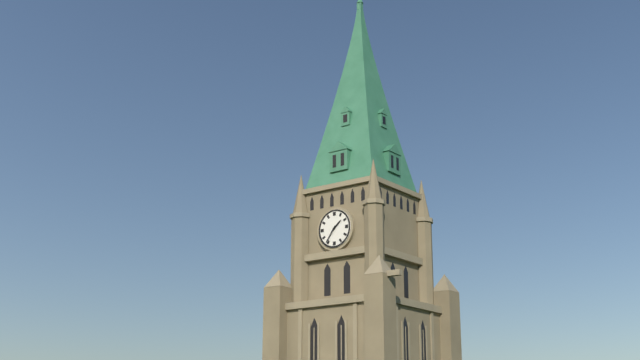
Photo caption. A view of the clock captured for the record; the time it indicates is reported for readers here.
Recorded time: 1:36
